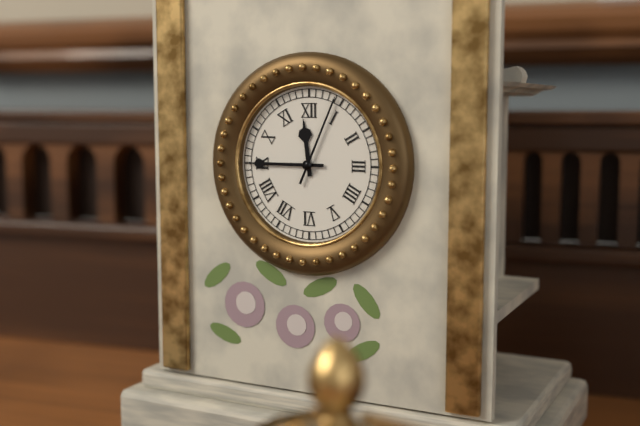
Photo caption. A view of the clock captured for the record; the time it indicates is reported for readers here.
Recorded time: 11:45:04
